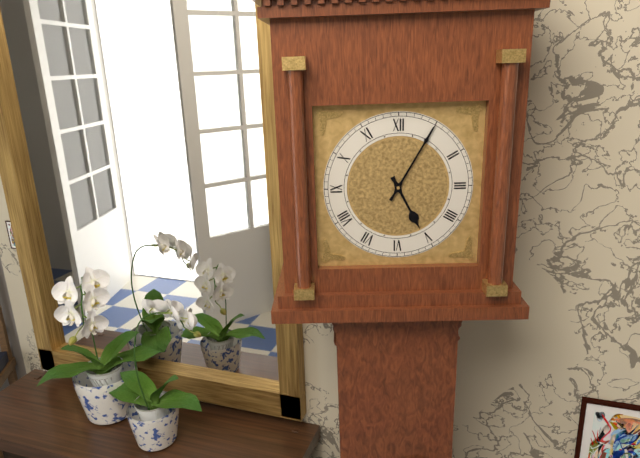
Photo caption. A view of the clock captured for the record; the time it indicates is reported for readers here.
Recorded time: 5:05
